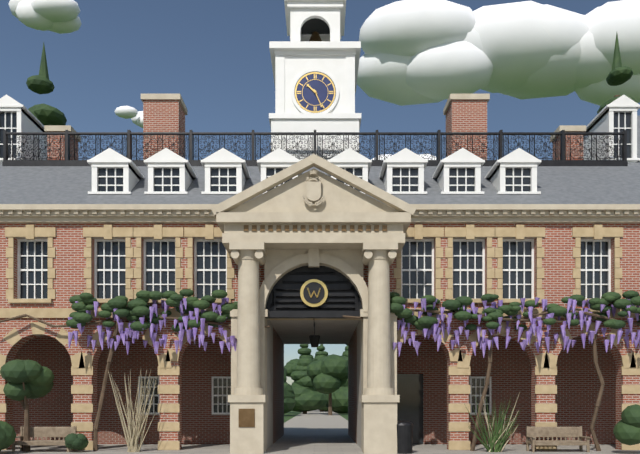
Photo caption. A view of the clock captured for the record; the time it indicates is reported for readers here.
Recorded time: 10:26
